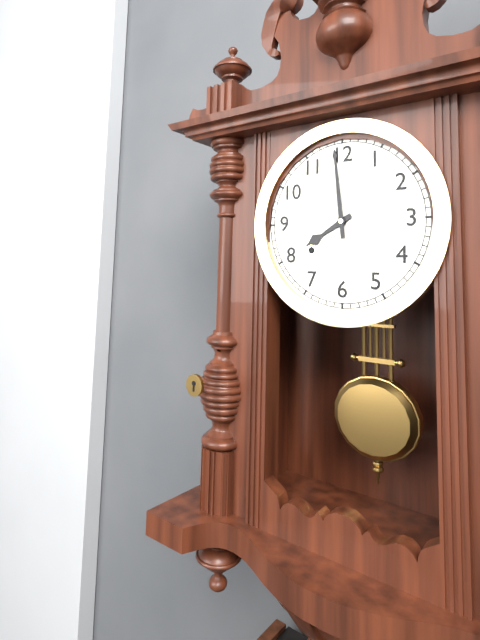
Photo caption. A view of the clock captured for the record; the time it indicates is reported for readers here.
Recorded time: 7:59
